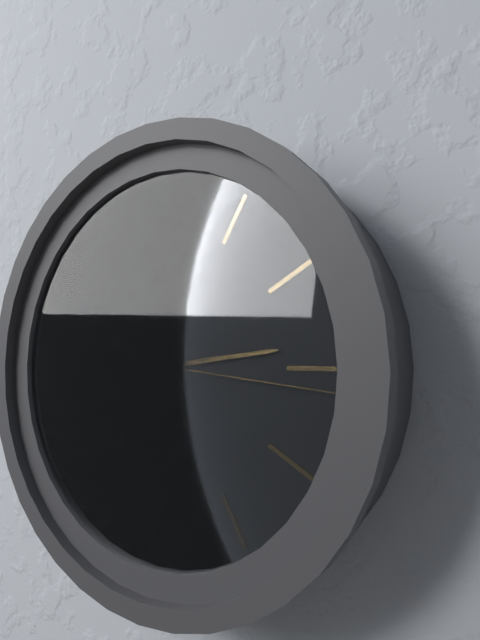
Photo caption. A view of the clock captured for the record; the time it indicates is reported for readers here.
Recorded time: 2:46:16
